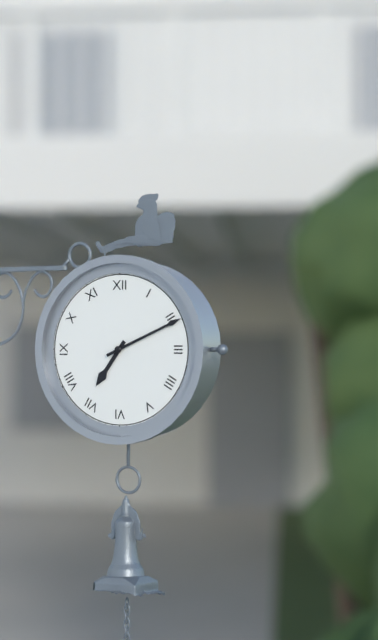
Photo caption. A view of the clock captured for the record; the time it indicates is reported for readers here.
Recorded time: 7:11
